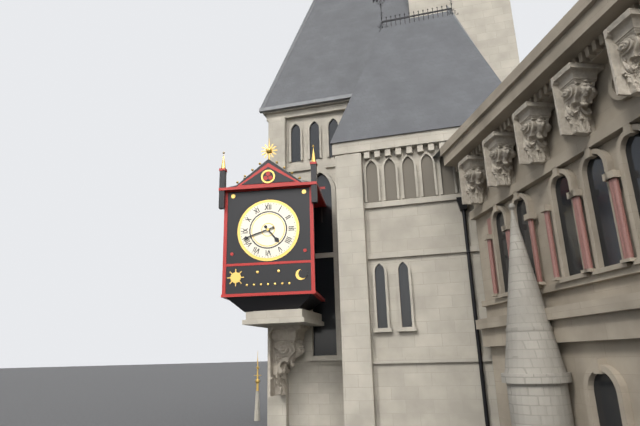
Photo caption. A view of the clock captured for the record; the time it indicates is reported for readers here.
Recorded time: 4:42
